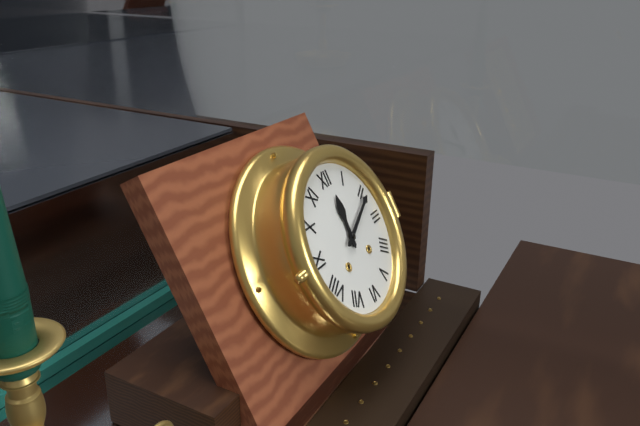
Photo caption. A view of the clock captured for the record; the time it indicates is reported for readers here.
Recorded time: 12:11
